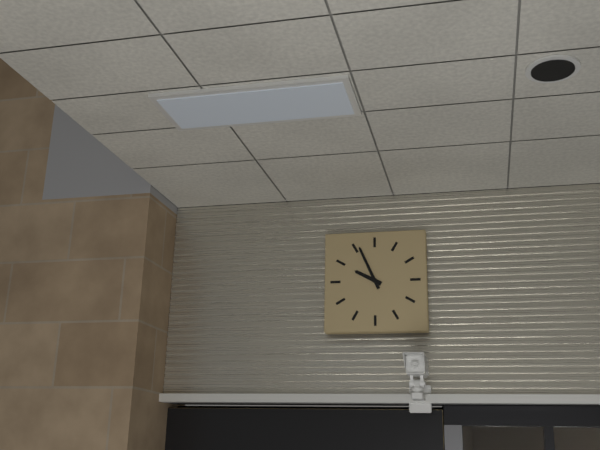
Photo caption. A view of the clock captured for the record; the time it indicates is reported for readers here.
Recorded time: 9:56
